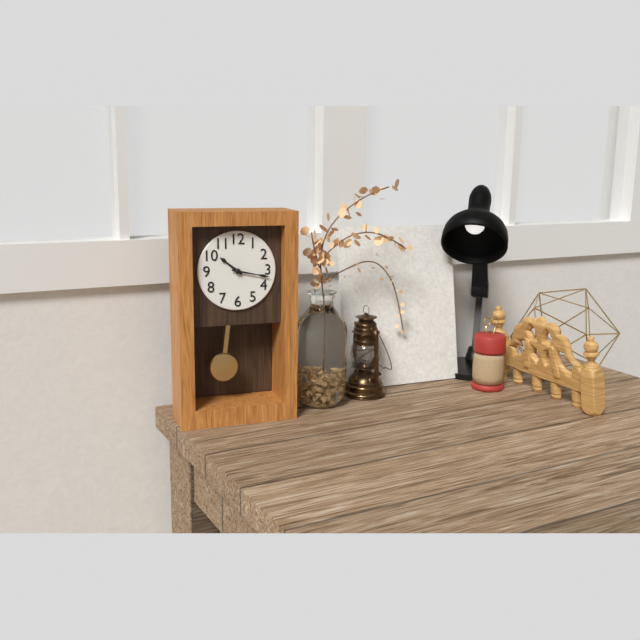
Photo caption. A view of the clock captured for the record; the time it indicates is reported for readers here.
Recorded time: 10:17
